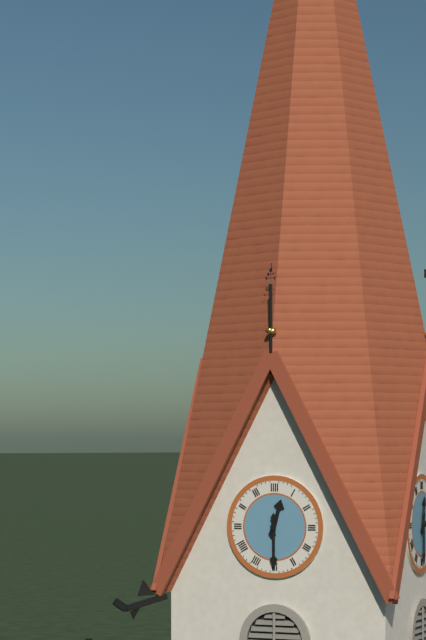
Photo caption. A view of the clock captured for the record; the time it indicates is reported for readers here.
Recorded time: 12:30
